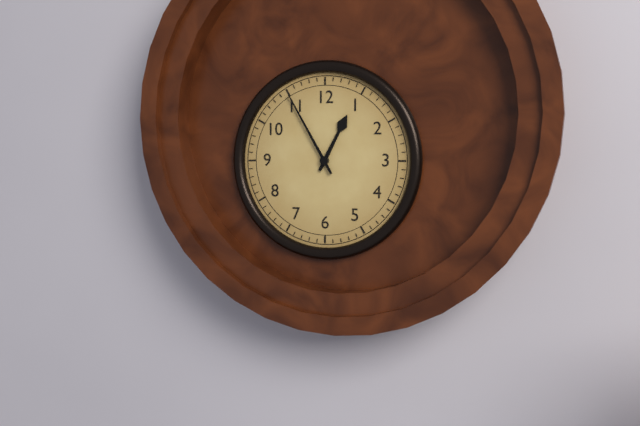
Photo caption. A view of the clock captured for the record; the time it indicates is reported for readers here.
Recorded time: 12:55
